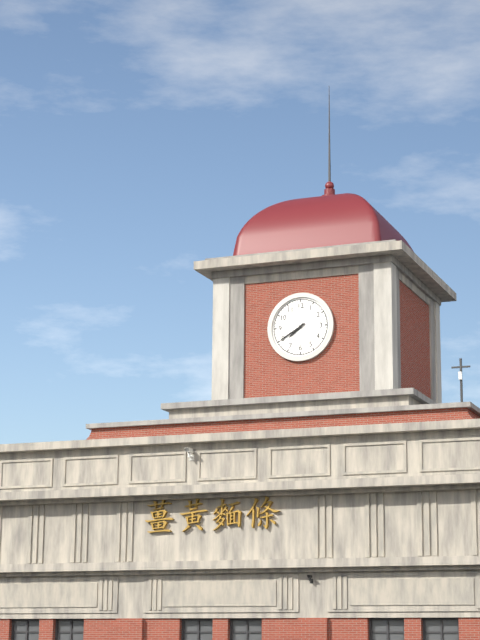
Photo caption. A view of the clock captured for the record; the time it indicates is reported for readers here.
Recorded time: 7:40
